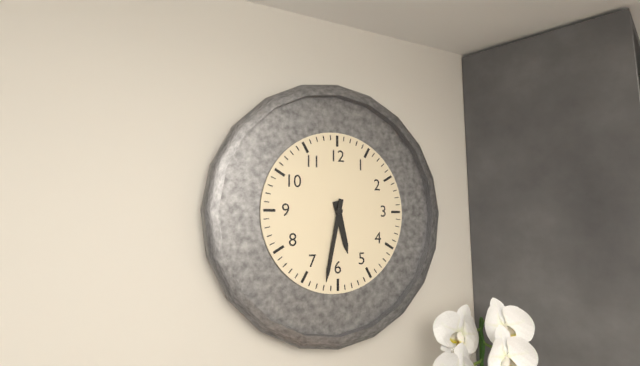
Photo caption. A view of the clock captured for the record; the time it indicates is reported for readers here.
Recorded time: 5:32
